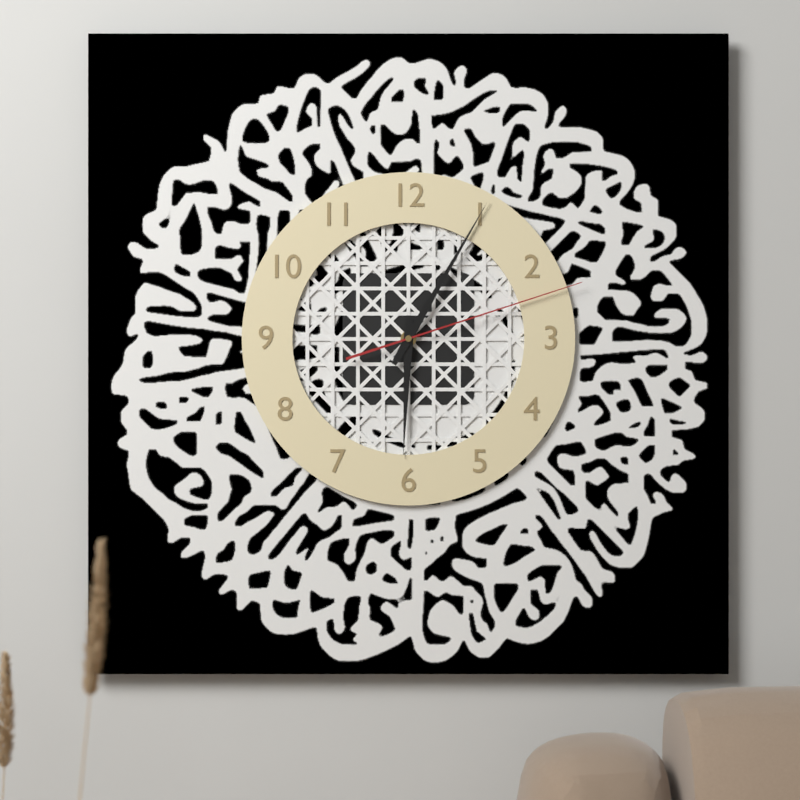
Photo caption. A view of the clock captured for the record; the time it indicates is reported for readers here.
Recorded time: 6:05:12
